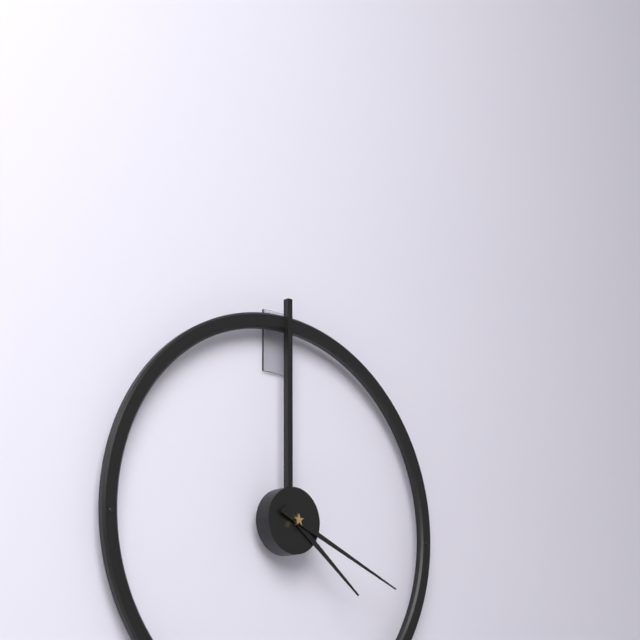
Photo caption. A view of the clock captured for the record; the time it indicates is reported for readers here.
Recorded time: 4:19
